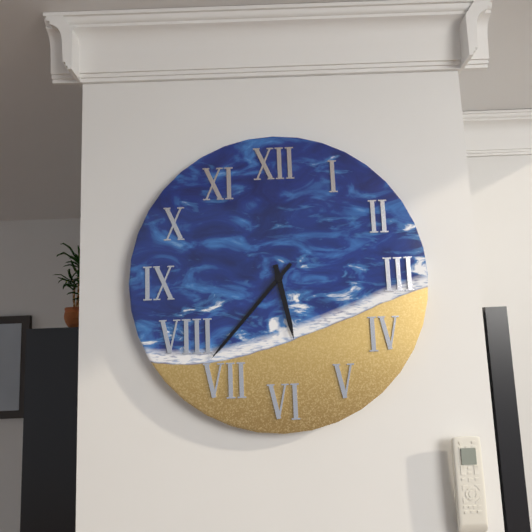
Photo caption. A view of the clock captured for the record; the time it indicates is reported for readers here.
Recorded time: 5:37
